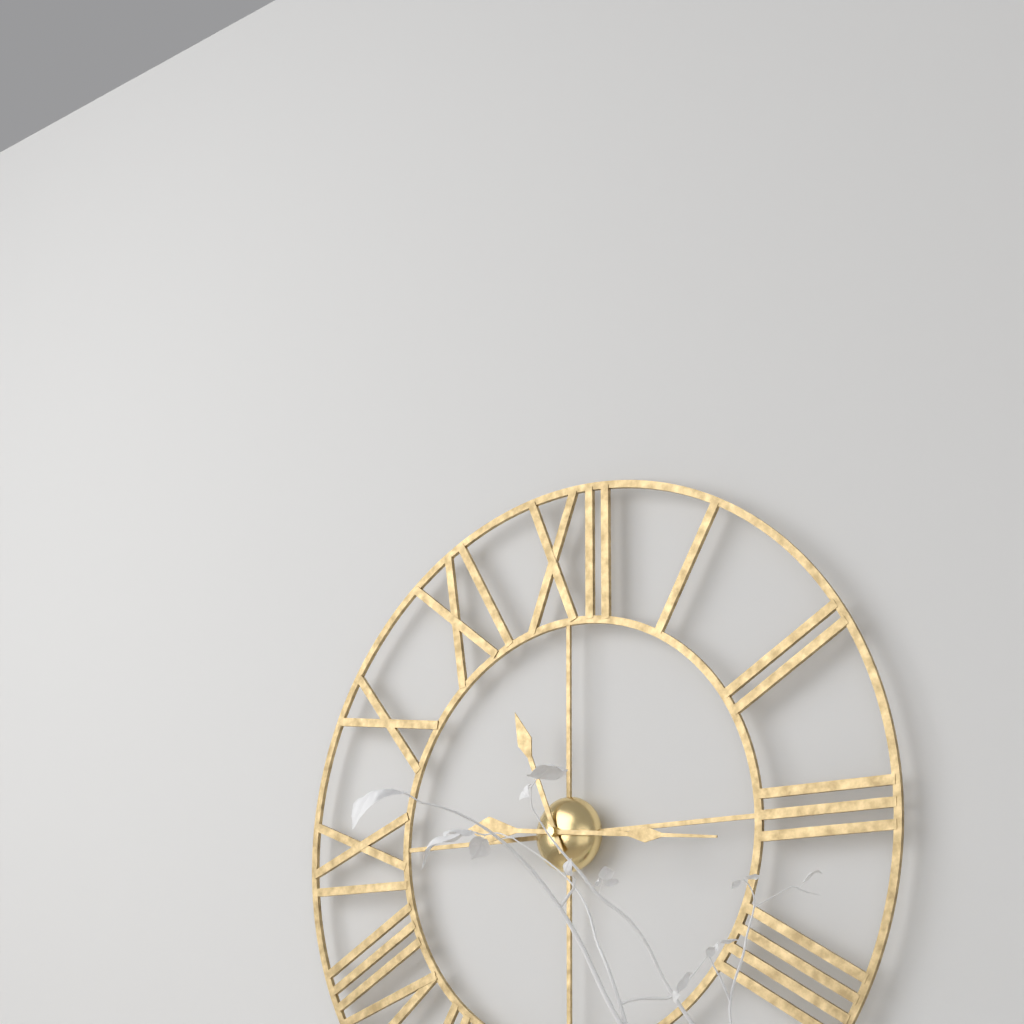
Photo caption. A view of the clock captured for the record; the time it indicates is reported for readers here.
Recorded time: 11:16
